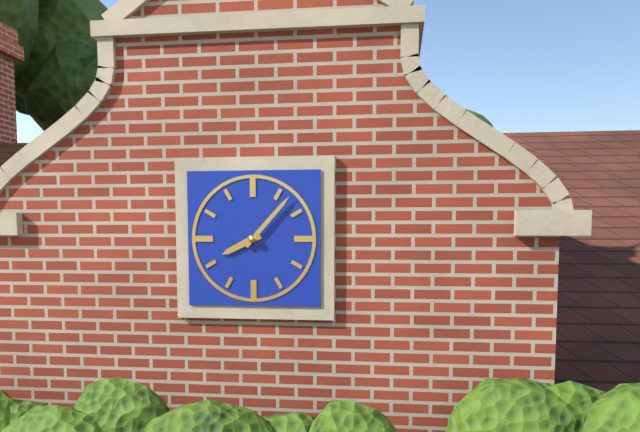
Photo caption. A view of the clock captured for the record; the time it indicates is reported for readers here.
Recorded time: 8:07
